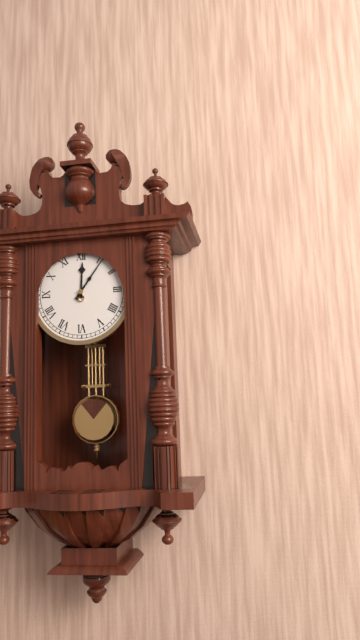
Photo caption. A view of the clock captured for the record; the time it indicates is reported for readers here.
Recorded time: 12:06
